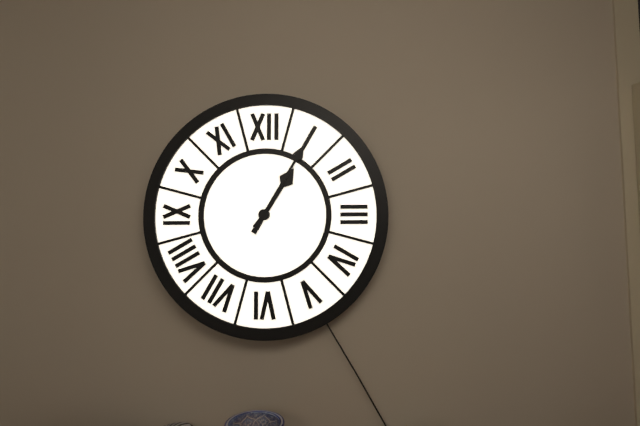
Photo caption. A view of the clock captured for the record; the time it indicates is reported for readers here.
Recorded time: 1:05
